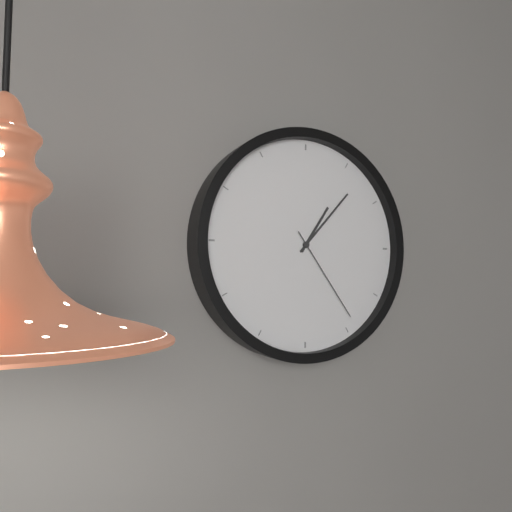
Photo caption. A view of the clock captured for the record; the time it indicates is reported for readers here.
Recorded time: 1:07:24
